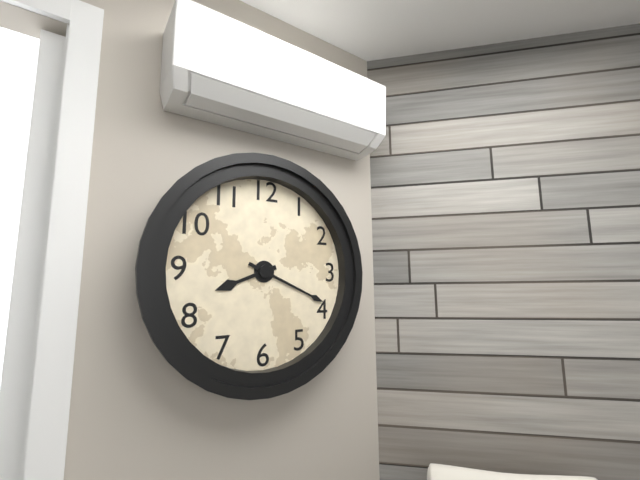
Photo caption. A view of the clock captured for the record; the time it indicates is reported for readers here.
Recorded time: 8:19
